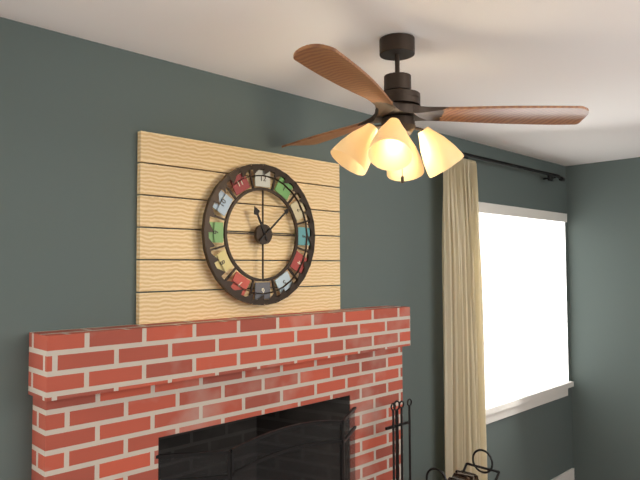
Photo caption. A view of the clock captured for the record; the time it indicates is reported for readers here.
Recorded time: 11:08
